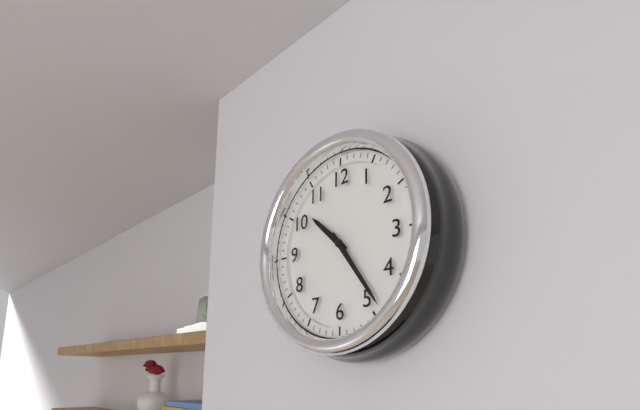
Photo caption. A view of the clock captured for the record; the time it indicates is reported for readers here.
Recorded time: 10:24
